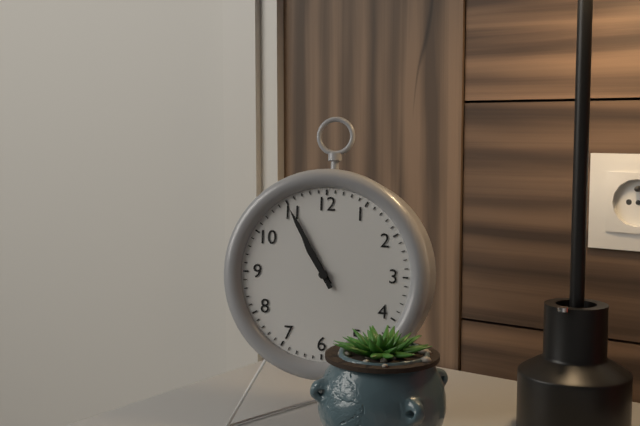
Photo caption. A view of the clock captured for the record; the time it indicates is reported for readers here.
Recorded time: 10:55
